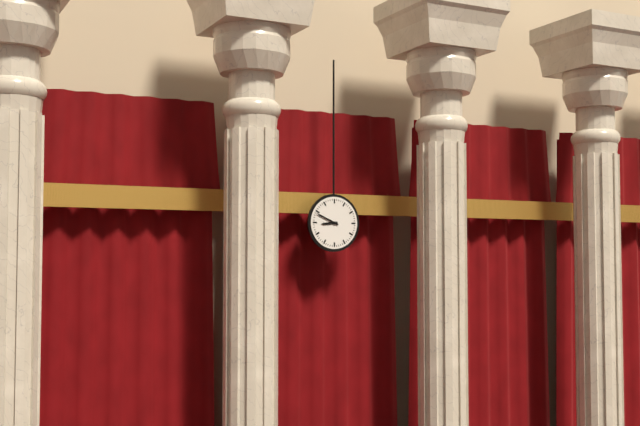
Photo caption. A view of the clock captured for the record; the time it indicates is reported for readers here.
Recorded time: 8:49
